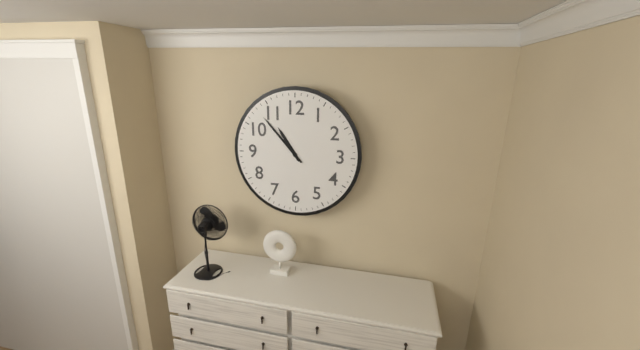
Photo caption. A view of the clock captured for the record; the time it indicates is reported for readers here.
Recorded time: 10:53
